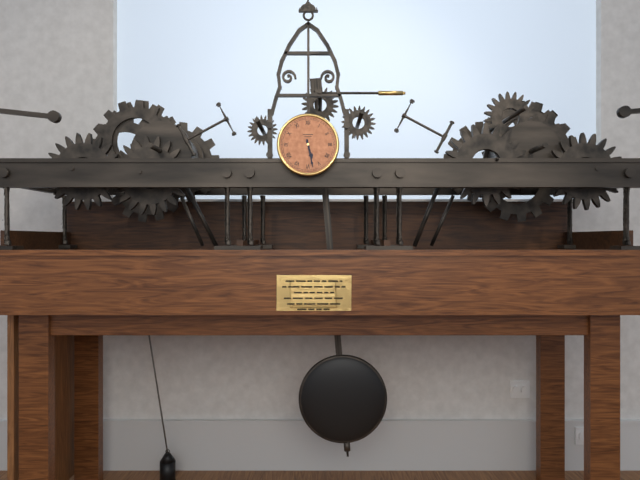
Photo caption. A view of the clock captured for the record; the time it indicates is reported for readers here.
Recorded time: 5:28
